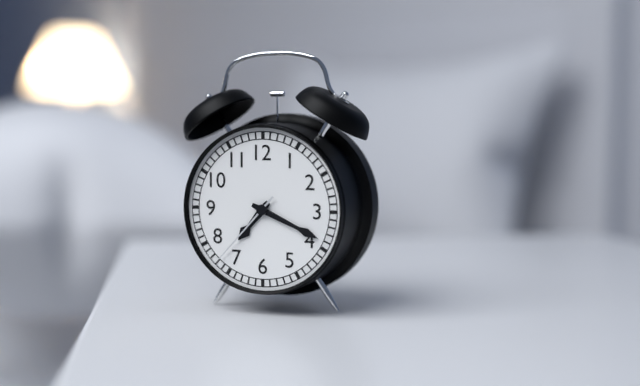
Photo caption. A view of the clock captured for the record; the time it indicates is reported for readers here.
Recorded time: 7:19:37
